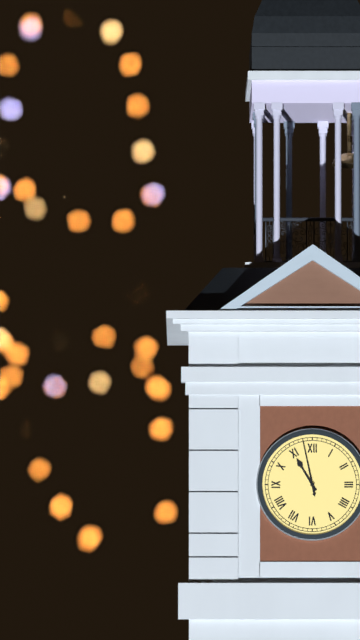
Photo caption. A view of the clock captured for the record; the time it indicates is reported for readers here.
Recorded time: 10:58
